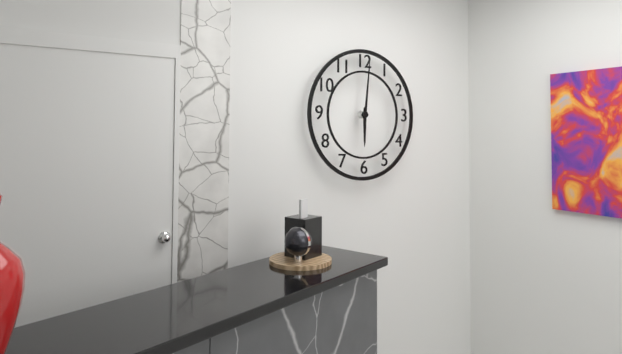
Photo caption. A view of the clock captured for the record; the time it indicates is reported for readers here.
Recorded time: 6:01
